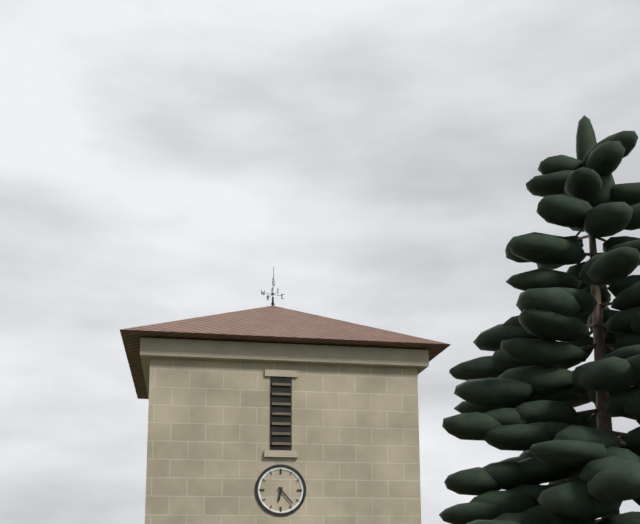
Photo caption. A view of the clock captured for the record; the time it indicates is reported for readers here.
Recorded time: 6:23
